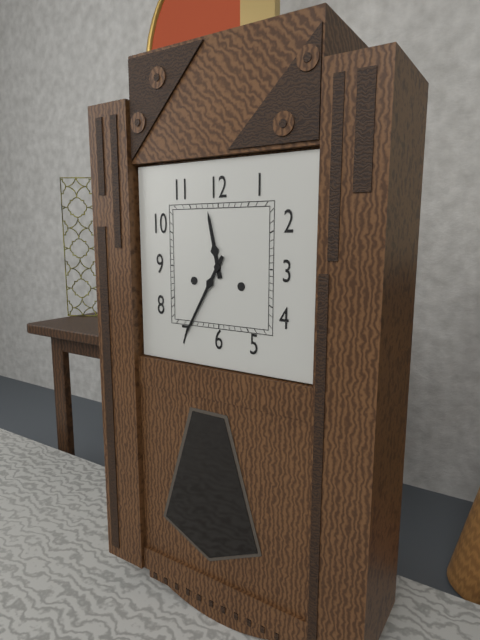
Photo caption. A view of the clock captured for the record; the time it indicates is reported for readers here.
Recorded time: 11:35
